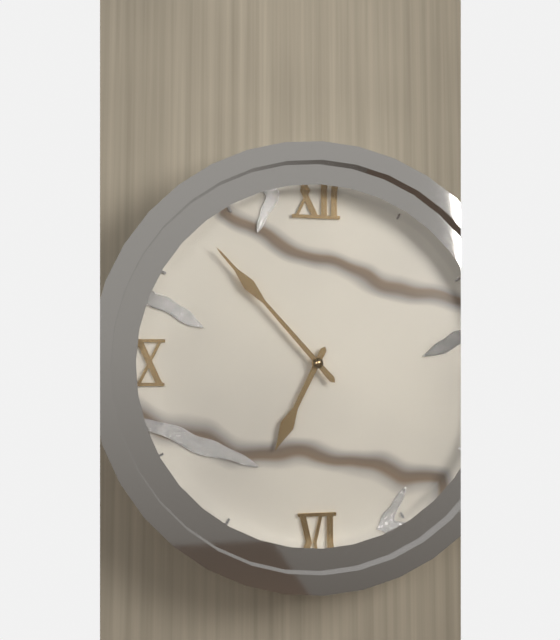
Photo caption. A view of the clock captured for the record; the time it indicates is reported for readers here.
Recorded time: 6:53
